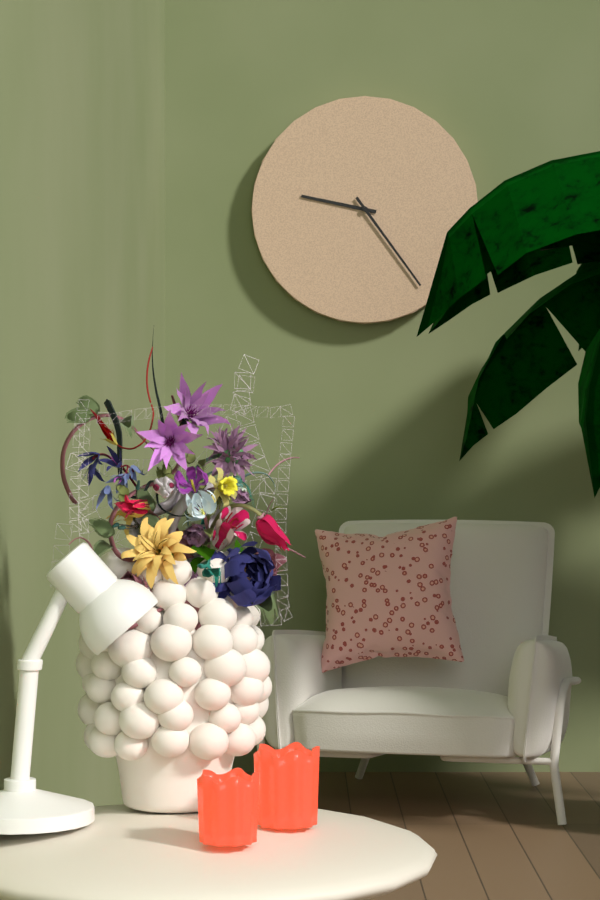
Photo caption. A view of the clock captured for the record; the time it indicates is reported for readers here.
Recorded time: 9:24
